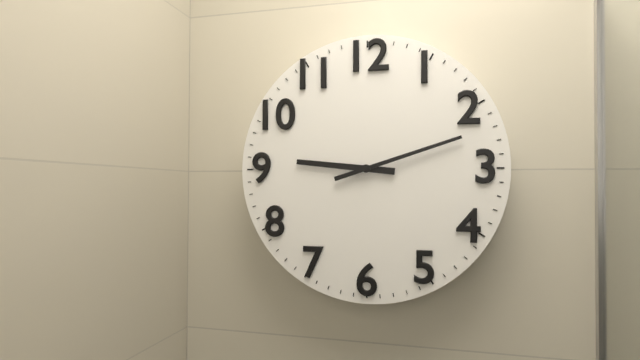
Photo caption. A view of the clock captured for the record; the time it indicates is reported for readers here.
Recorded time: 9:12
